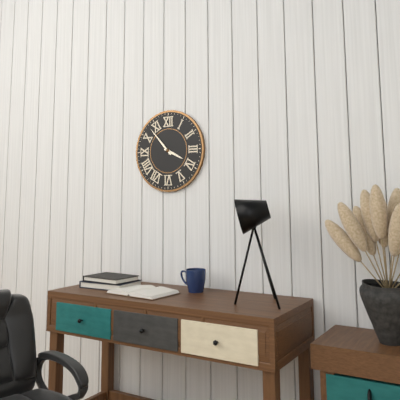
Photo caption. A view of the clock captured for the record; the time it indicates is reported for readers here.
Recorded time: 3:53
